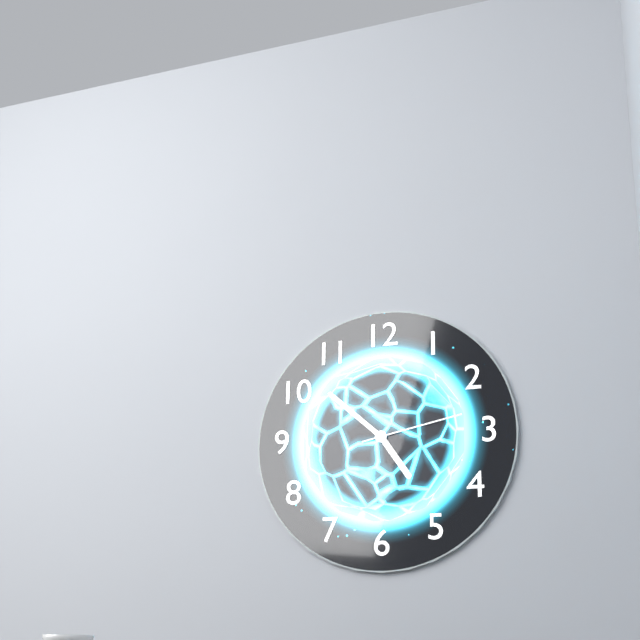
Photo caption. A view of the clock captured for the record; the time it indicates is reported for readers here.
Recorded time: 4:52:13
